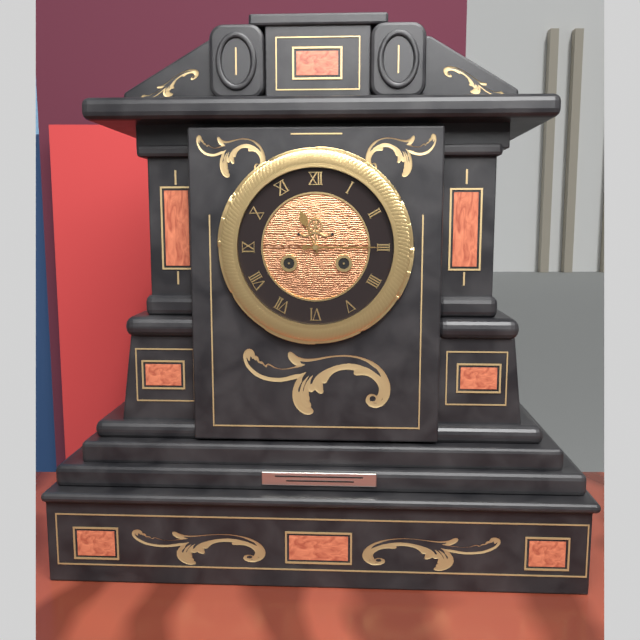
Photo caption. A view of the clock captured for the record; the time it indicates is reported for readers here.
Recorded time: 11:15
